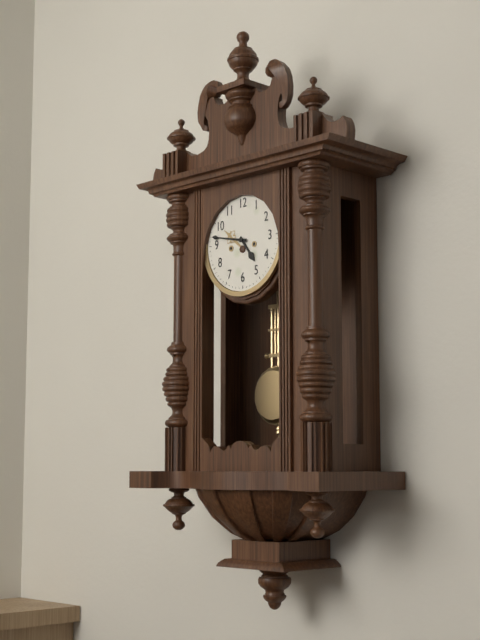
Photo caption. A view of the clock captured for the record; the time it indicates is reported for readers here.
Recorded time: 4:47
